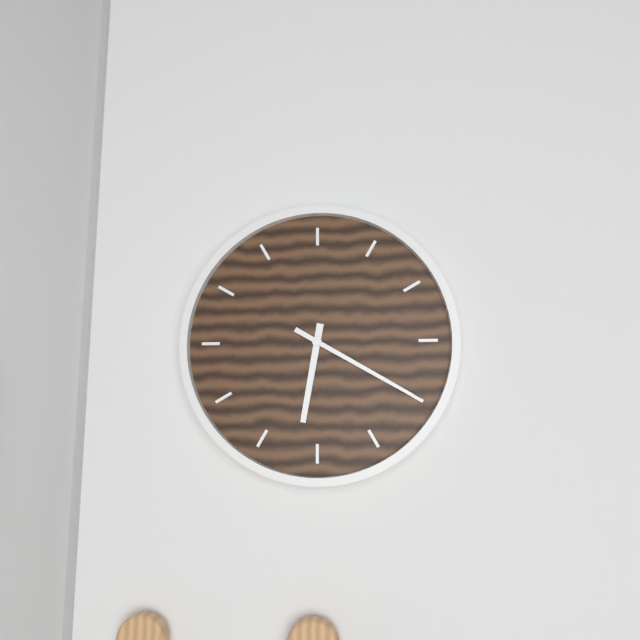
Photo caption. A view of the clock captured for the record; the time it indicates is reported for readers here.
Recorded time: 6:20
